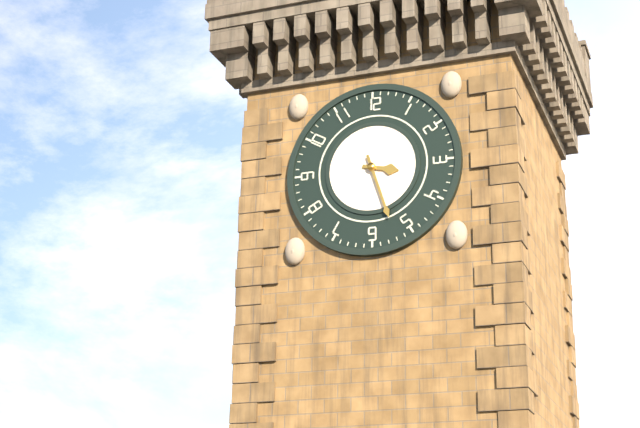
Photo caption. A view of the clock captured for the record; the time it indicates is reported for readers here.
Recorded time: 3:27
